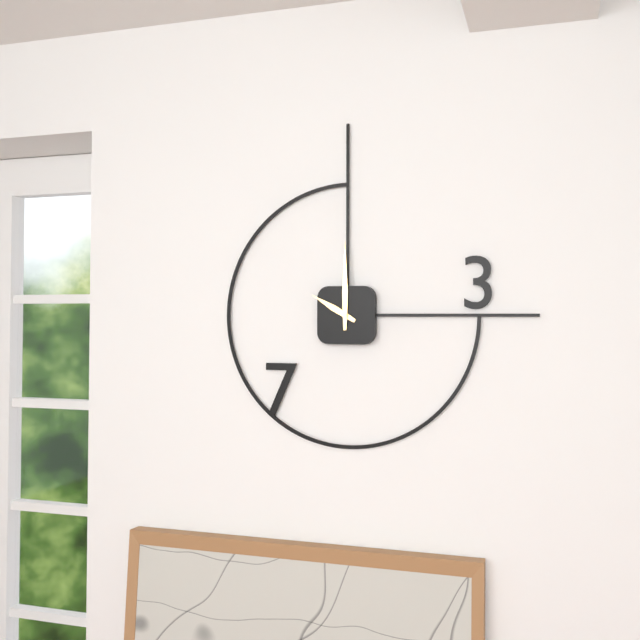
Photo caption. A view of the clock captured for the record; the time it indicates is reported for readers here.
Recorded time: 10:00
